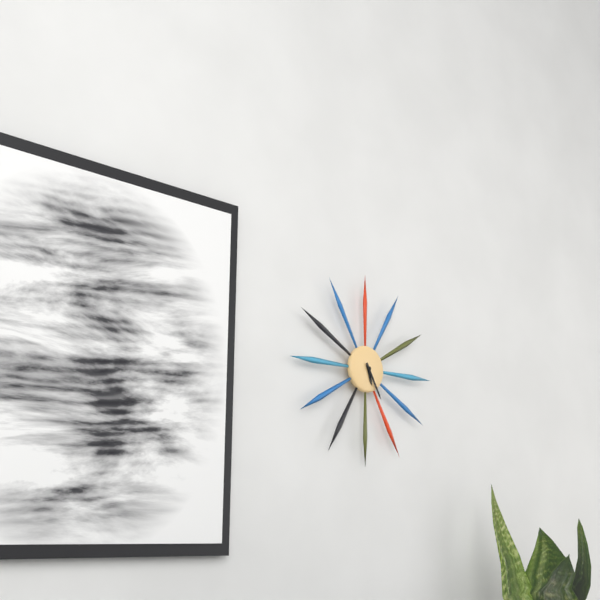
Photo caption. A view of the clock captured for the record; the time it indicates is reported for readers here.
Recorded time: 5:25
